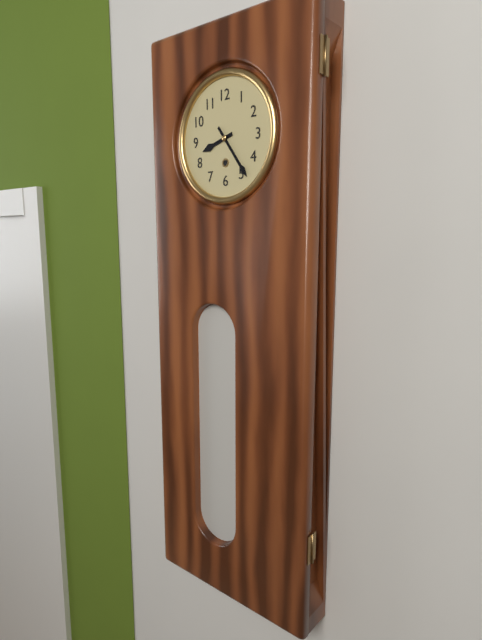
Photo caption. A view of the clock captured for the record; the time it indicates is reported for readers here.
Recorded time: 8:24
